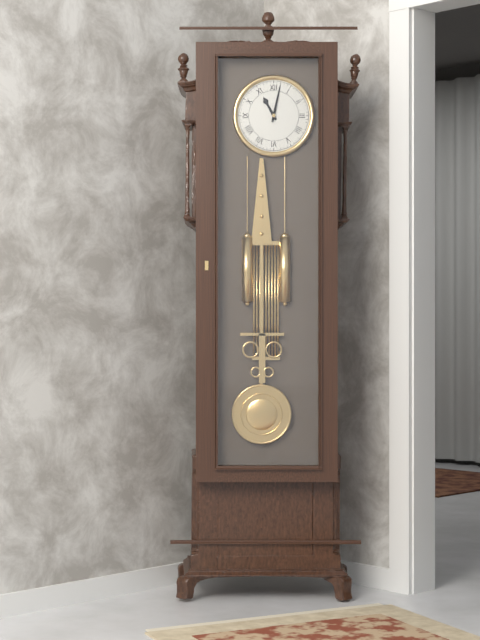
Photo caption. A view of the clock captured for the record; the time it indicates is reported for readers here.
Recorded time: 11:02
